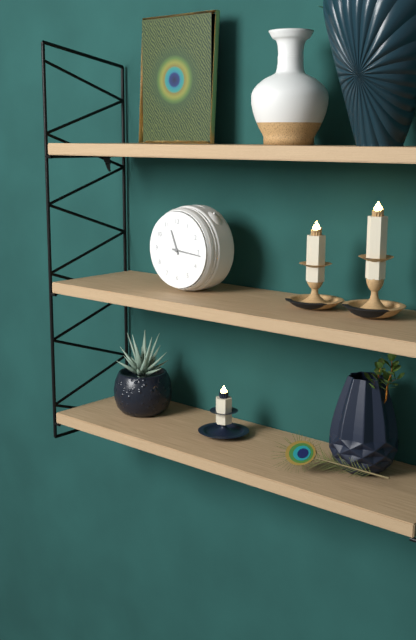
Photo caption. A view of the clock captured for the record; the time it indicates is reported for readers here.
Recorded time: 11:16
